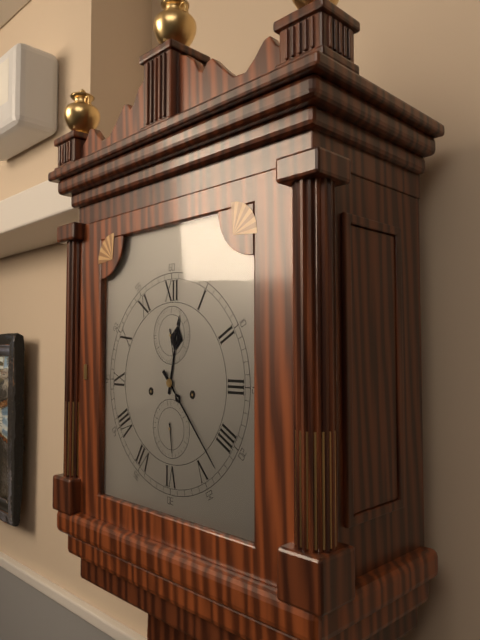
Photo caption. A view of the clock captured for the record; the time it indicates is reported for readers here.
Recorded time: 12:23
